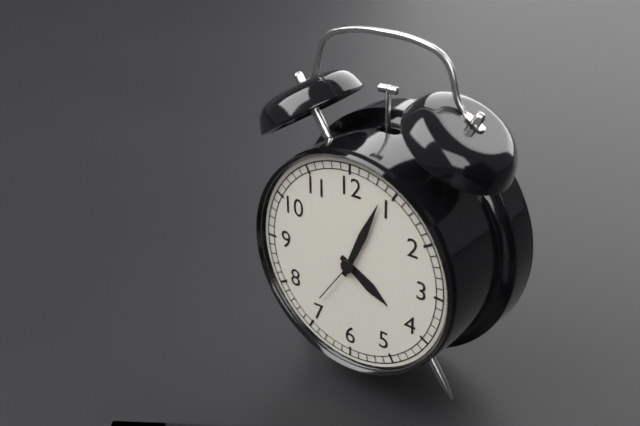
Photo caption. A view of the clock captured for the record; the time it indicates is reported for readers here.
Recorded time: 4:04:36
